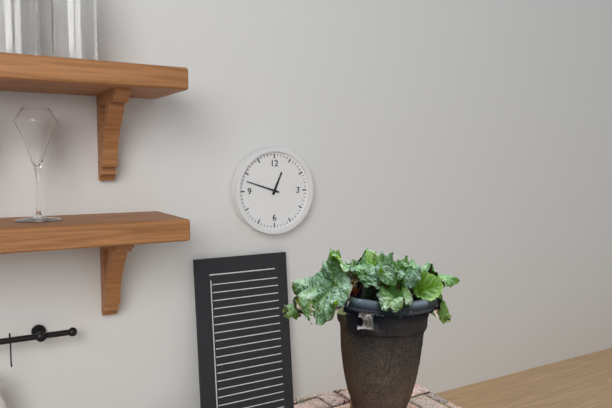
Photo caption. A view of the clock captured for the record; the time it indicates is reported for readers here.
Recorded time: 12:48
